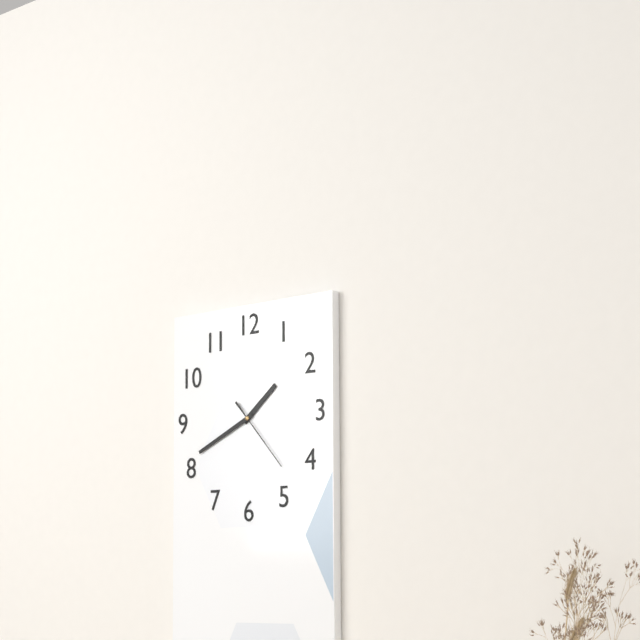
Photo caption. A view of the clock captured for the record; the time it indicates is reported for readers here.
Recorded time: 1:41:23
